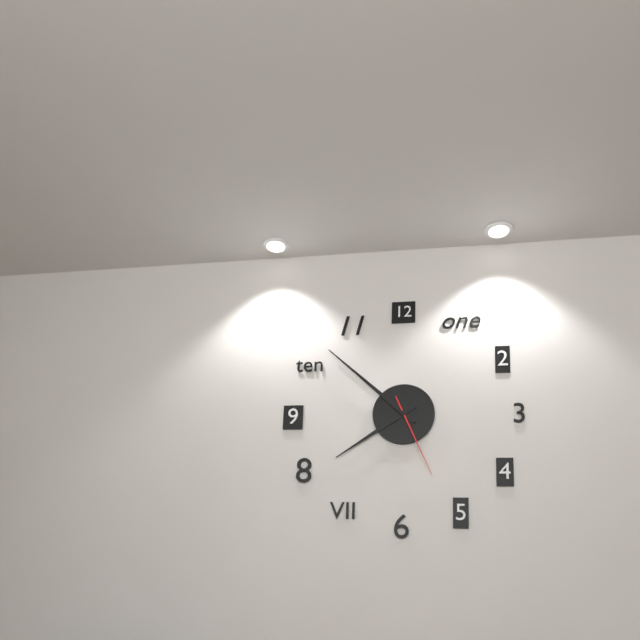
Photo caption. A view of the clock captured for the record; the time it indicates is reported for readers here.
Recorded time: 7:52:26
